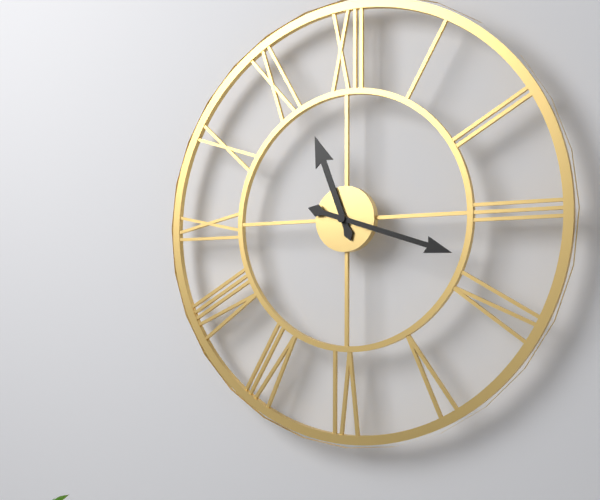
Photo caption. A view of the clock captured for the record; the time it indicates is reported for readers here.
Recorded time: 11:18
